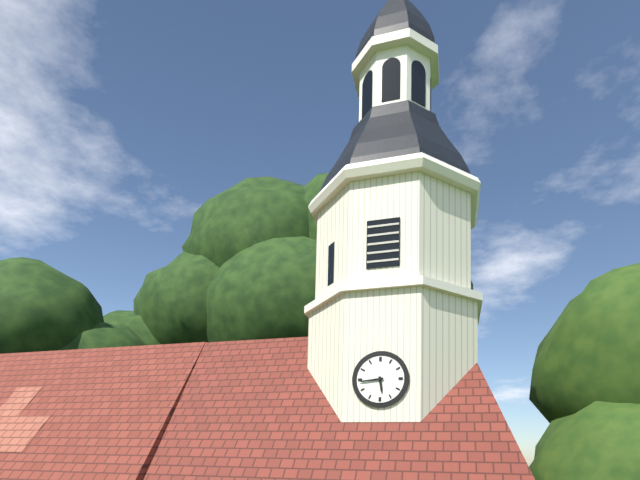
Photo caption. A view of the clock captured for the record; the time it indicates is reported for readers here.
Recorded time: 5:44
